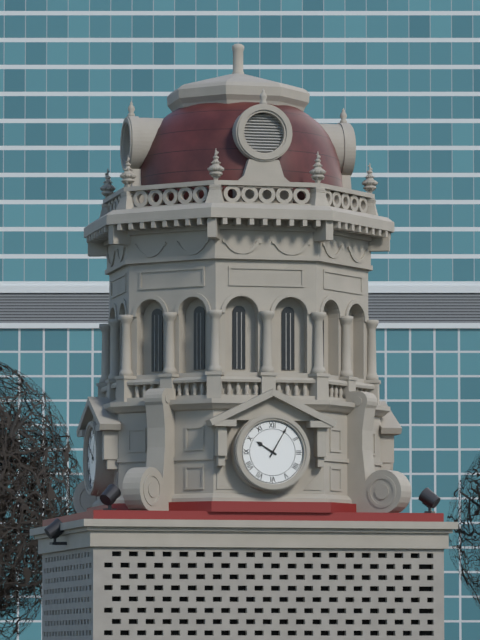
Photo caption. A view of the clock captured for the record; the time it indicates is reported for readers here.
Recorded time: 10:05
